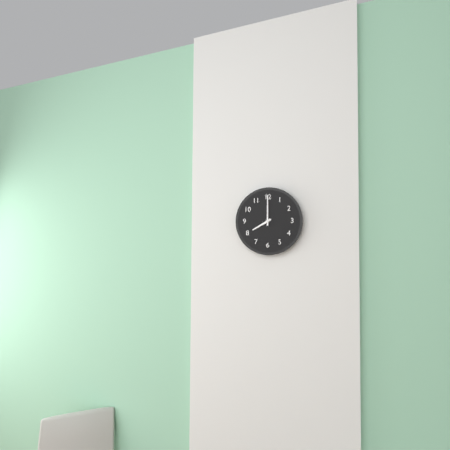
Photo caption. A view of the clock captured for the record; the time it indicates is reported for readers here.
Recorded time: 8:00
